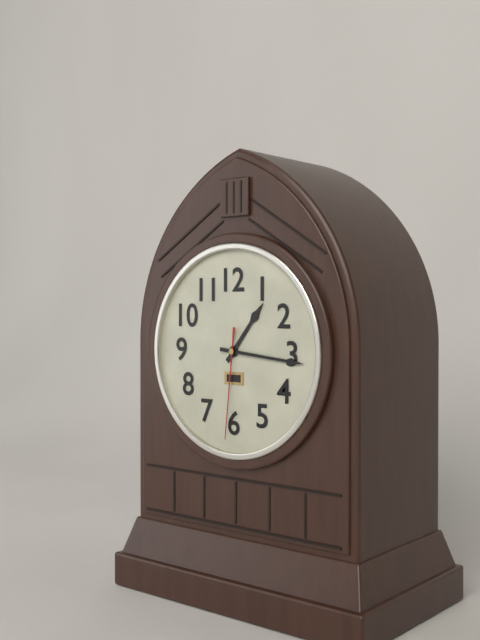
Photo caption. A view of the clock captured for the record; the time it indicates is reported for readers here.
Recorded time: 1:16:31
